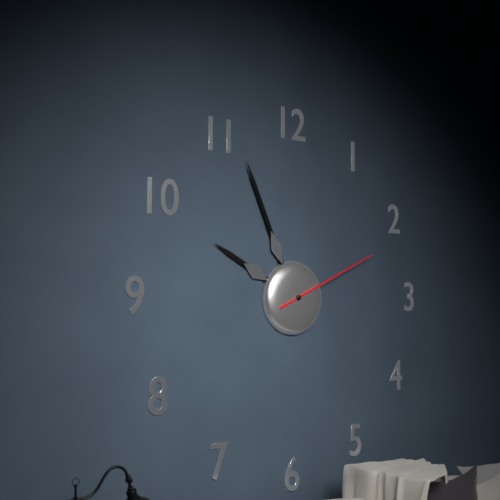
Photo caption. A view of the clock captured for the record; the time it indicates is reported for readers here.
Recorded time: 9:56:11
